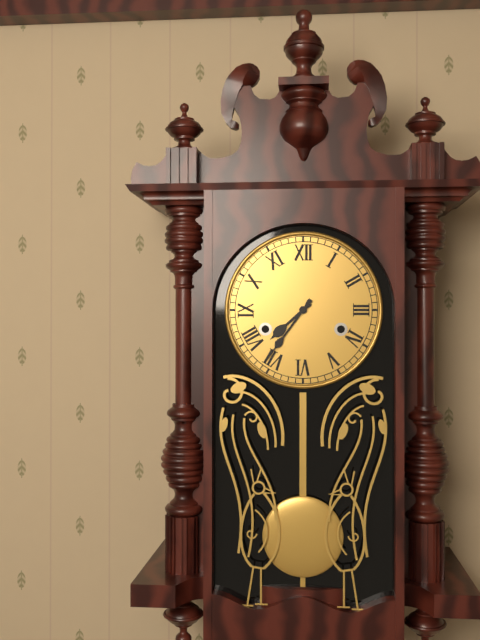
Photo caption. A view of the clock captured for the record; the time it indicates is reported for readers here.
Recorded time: 7:36
